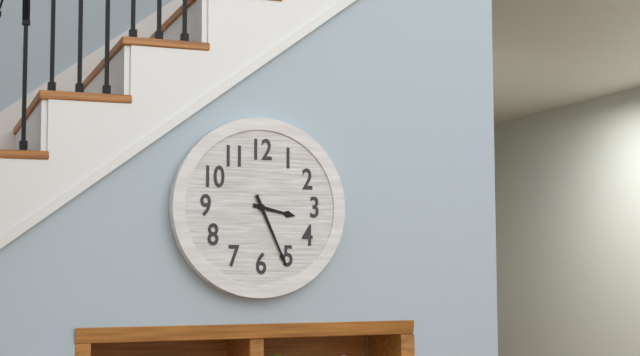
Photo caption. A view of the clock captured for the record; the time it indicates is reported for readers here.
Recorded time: 3:26
